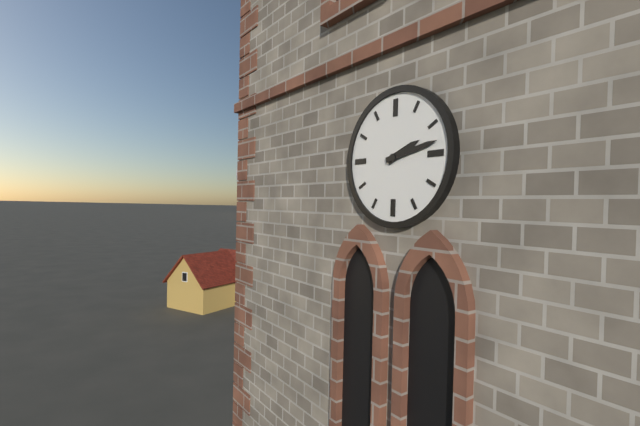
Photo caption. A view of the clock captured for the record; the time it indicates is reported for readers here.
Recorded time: 2:13
